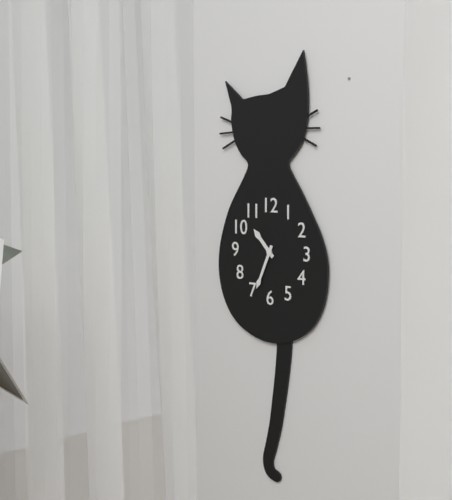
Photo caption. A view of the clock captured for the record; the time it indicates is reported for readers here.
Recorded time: 10:34
